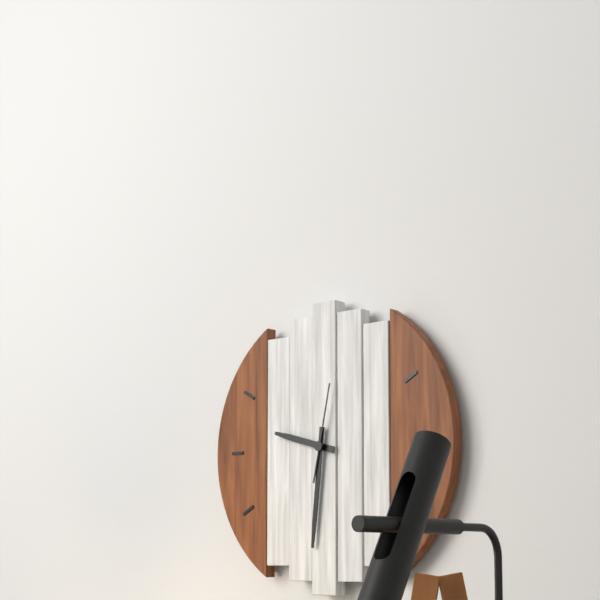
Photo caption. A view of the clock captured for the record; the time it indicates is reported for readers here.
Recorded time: 9:31:02
